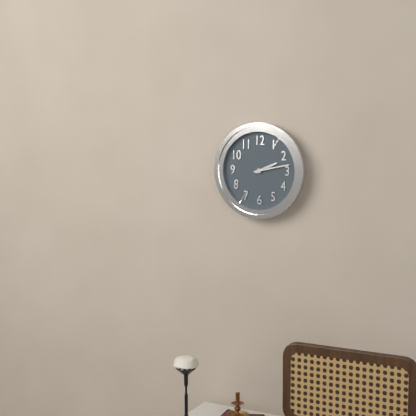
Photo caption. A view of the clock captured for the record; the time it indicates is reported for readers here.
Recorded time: 2:13
